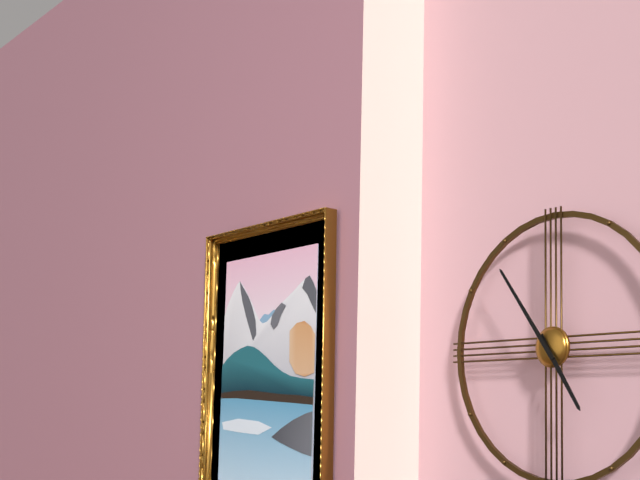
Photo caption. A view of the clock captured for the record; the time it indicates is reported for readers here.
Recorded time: 4:54
